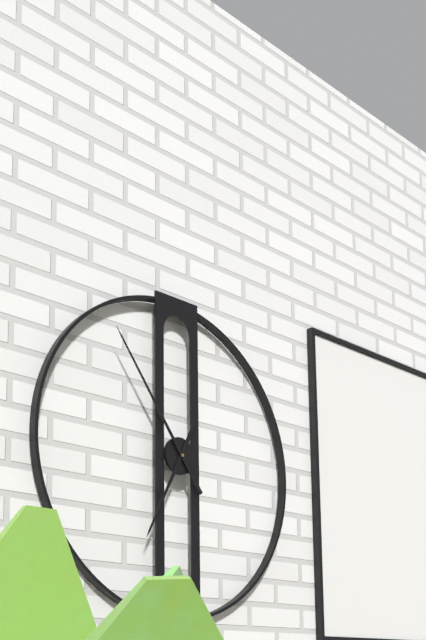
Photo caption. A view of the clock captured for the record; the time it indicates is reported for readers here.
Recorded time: 6:54
